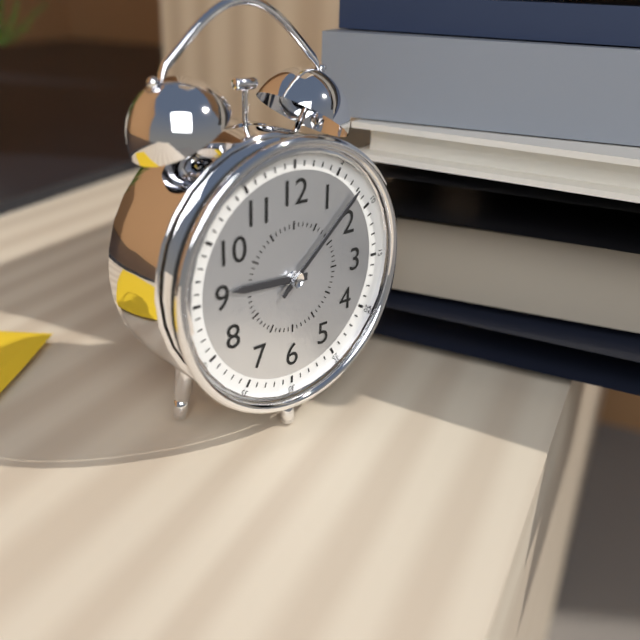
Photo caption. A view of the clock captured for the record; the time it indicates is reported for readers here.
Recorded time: 9:08
